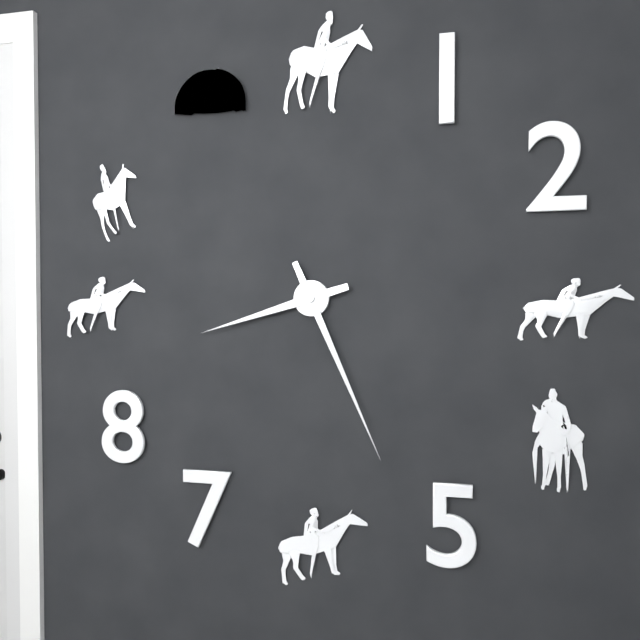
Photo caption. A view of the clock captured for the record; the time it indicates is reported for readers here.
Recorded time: 8:26
